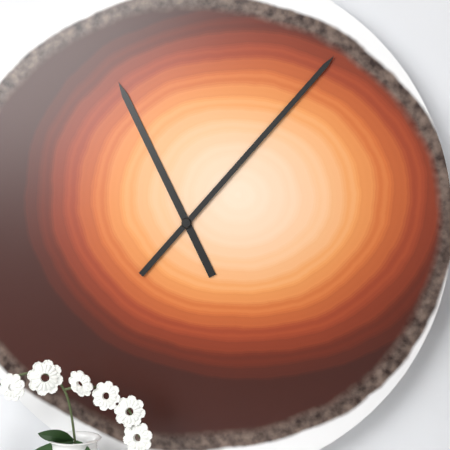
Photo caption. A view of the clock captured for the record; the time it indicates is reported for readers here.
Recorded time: 11:07
